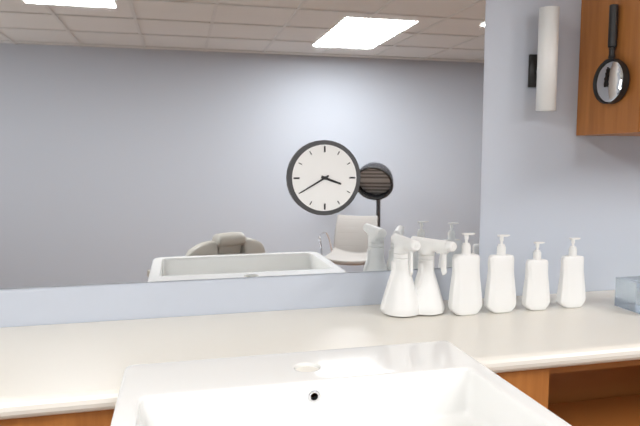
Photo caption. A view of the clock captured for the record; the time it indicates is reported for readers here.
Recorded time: 3:40
